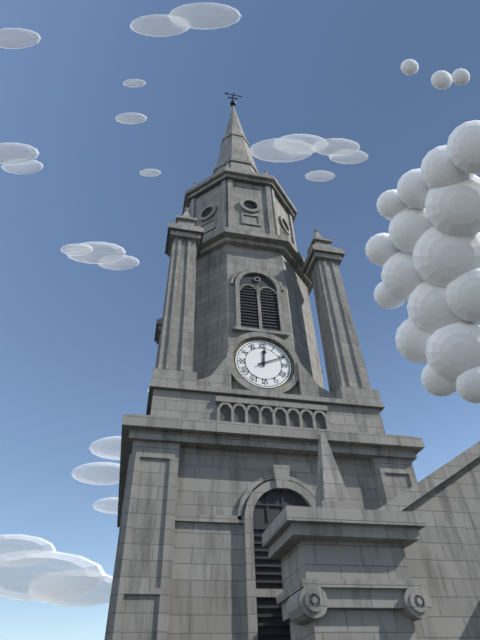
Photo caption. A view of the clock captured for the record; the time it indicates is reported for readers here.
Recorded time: 12:11
